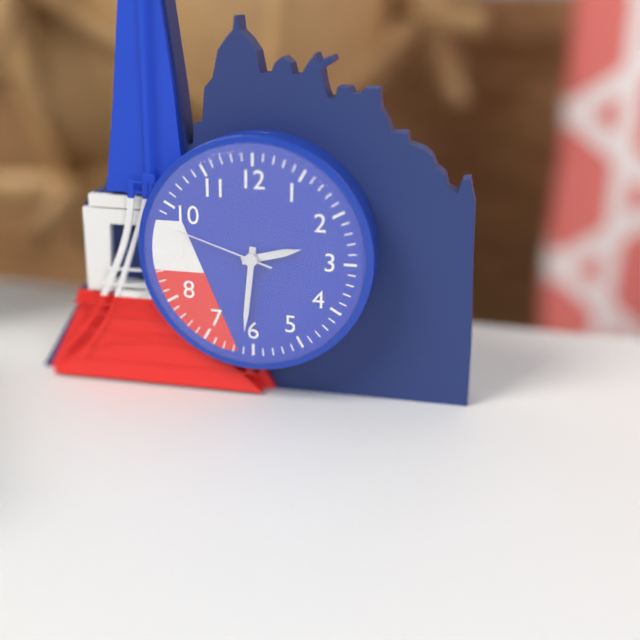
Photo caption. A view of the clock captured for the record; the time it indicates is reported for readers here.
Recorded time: 2:31:48
